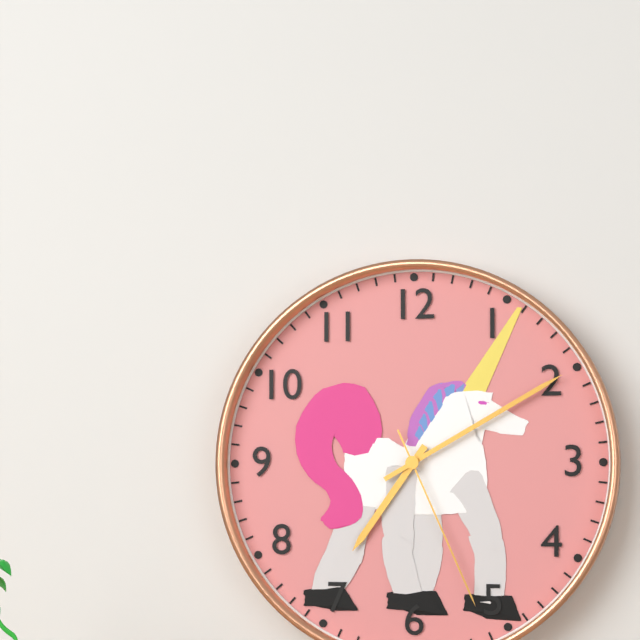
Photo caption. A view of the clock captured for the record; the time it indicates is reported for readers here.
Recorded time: 7:10:26
